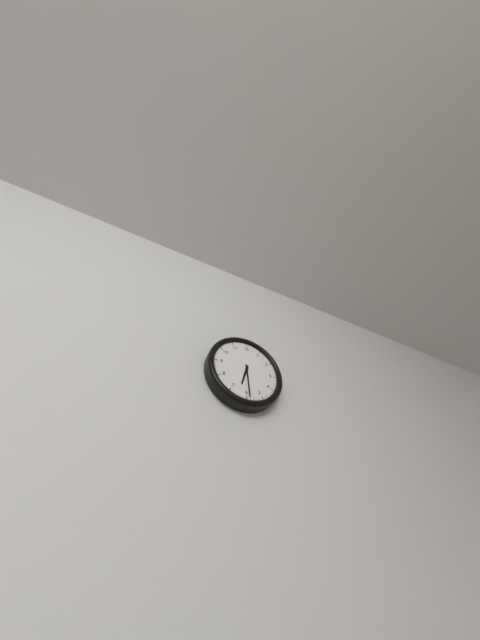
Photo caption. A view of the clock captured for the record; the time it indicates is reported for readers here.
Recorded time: 6:29
